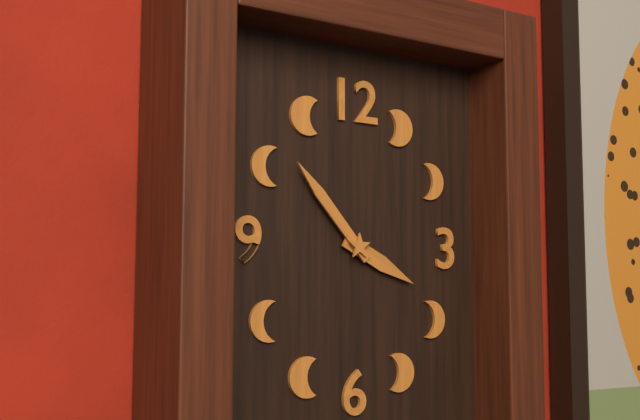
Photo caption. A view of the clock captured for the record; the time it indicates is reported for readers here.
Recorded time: 3:53
